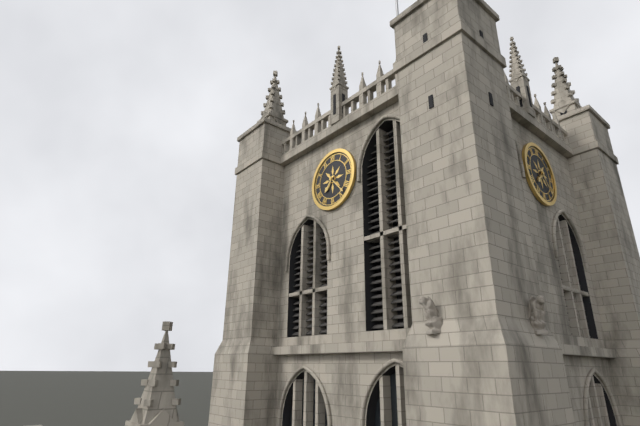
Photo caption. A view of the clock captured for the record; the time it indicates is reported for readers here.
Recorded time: 7:23
